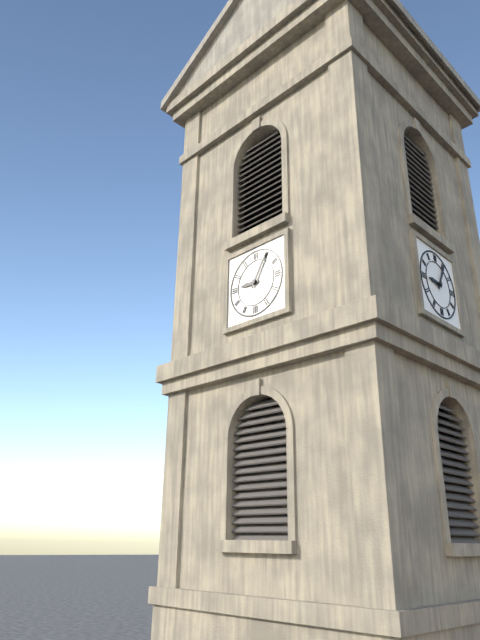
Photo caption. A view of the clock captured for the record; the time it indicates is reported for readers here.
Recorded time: 9:05
